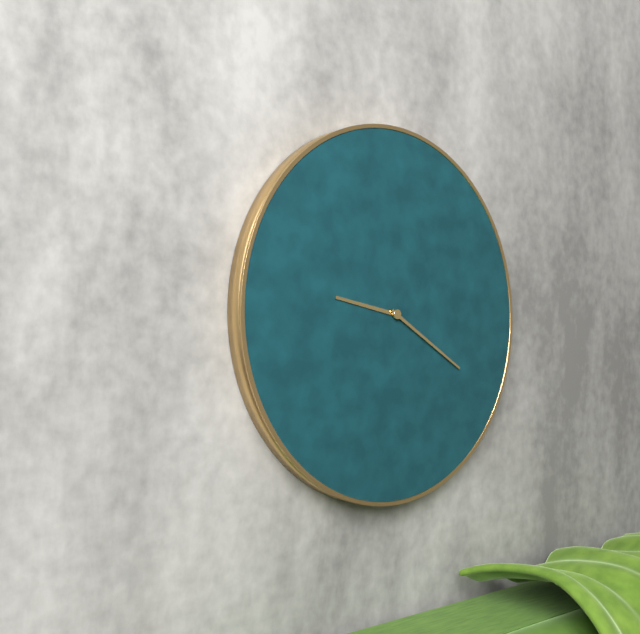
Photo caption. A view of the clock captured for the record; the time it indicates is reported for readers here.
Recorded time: 9:20
